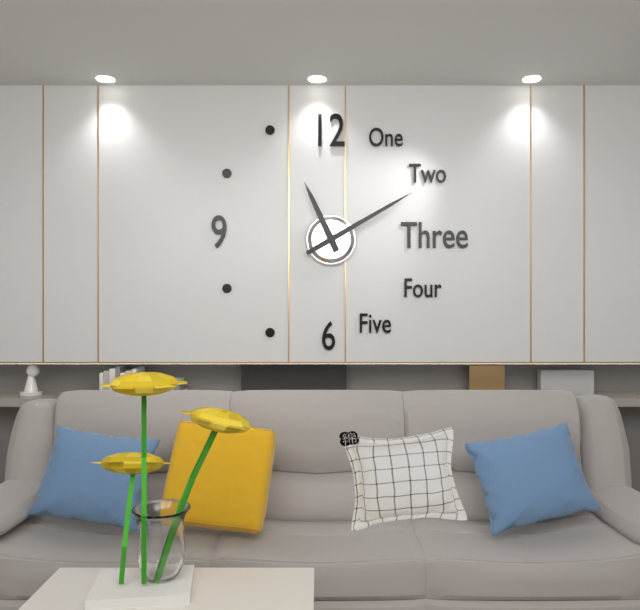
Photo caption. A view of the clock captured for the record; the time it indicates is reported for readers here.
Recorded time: 11:10
